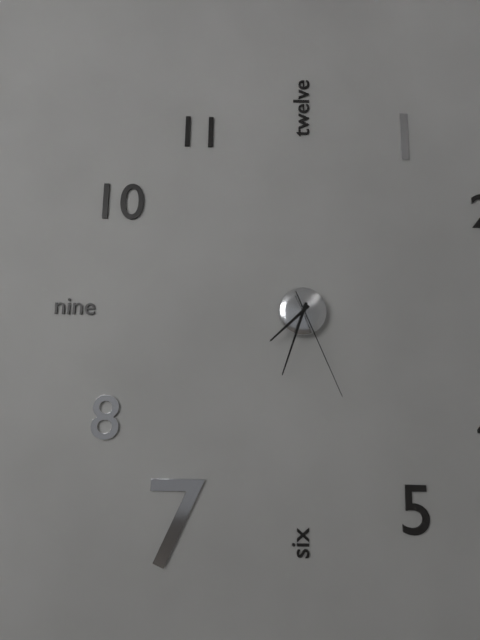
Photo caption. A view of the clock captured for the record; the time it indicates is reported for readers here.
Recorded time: 7:33:26
